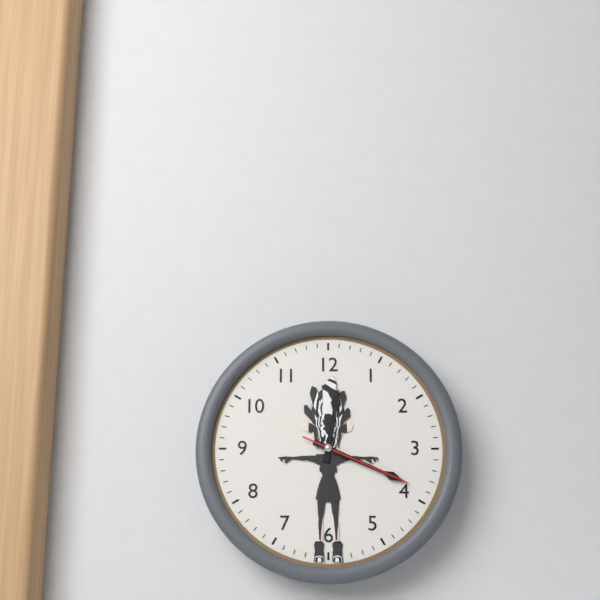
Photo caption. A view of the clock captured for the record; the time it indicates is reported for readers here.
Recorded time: 12:19:19
